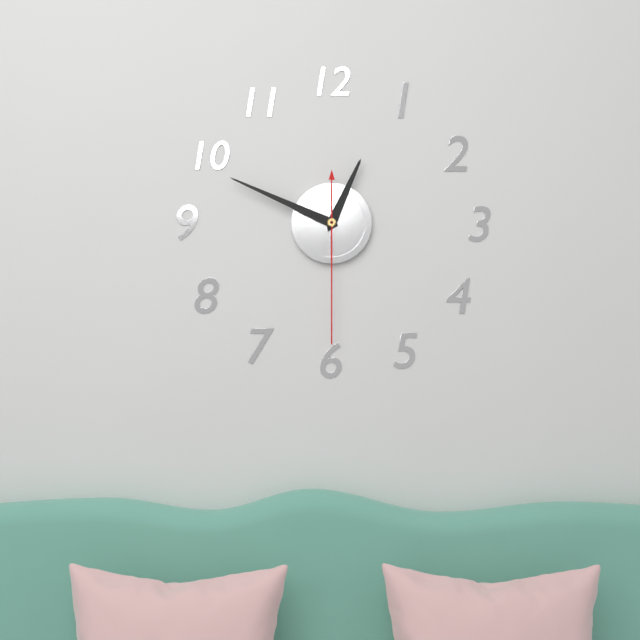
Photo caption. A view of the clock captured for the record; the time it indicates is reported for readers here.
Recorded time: 12:49:30
